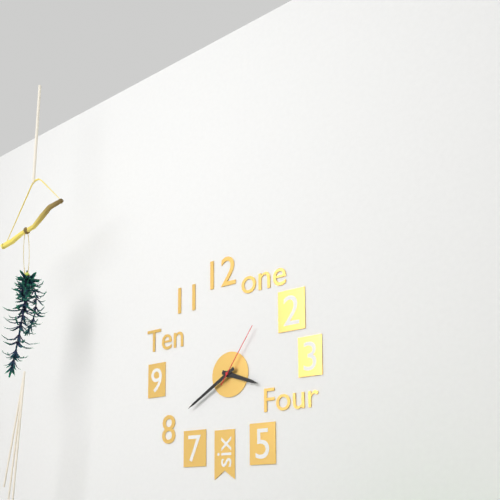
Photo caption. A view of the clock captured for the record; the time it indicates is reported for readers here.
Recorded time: 3:40:06
